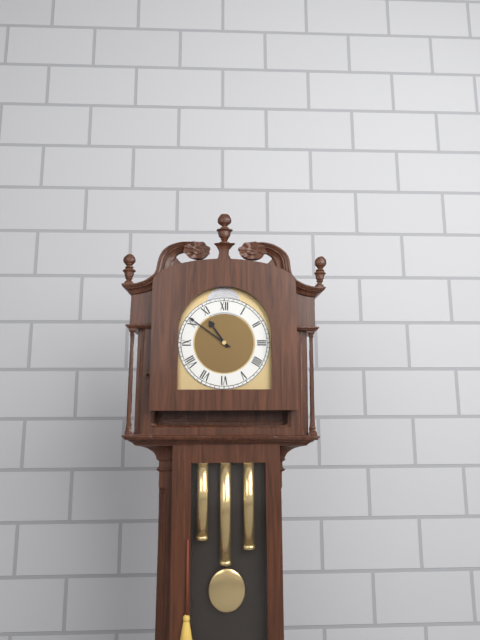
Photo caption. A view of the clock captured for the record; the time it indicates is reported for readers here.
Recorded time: 10:51
